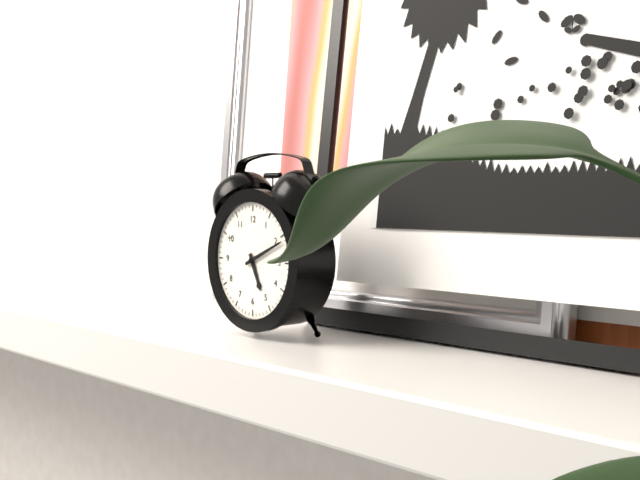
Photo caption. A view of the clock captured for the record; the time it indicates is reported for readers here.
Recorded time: 5:11
